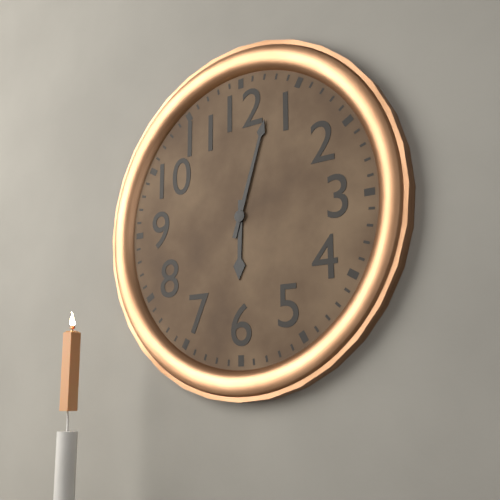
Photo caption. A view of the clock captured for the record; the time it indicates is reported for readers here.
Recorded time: 6:03
